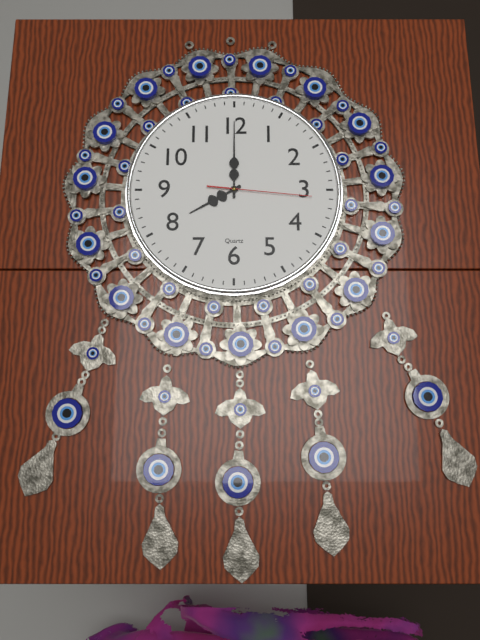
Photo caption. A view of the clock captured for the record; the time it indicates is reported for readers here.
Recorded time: 8:00:16
